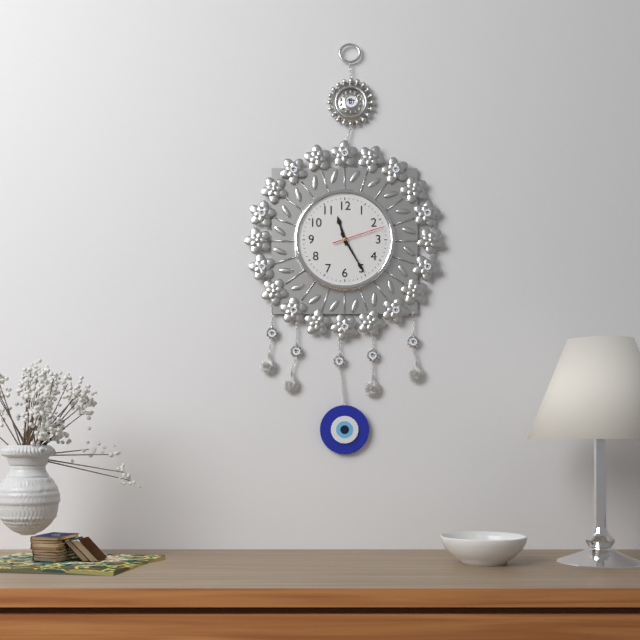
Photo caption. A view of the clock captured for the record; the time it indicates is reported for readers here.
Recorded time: 11:25:12
